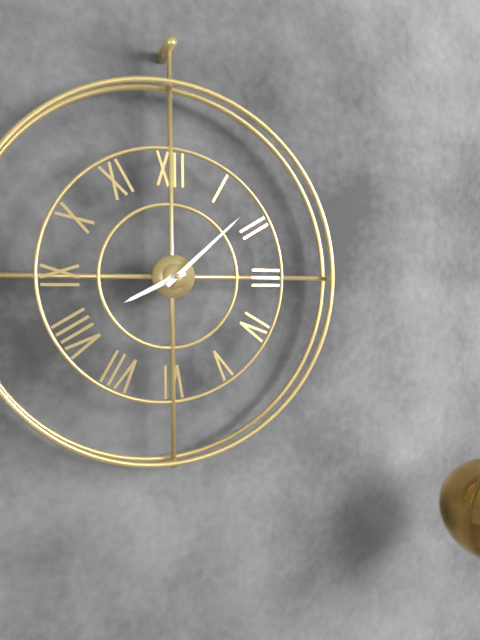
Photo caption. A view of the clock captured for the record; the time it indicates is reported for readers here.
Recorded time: 8:08
